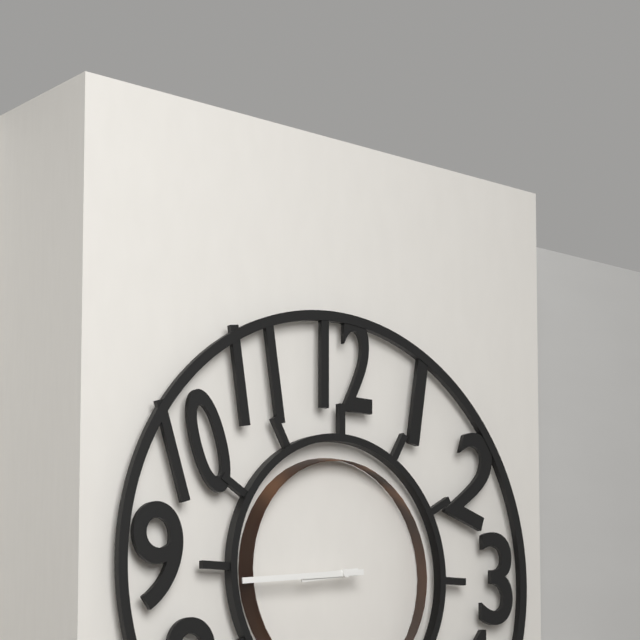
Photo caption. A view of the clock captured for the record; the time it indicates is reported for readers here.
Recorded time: 8:44
